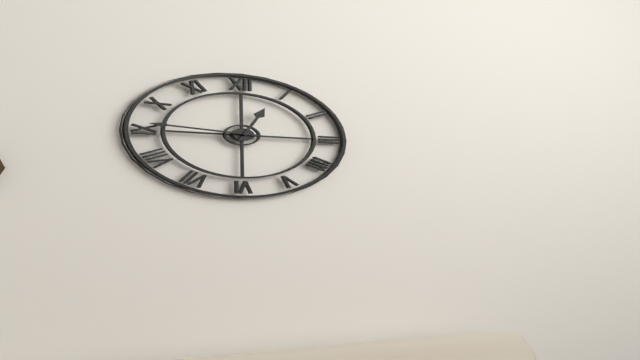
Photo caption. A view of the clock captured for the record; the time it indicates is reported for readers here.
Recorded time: 12:46
